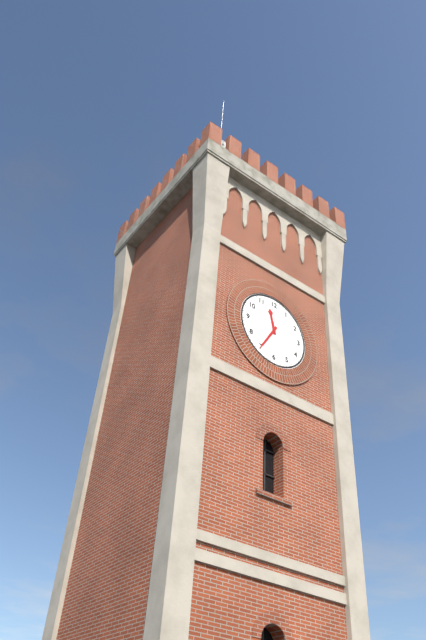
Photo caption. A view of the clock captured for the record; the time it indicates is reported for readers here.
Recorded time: 11:35
